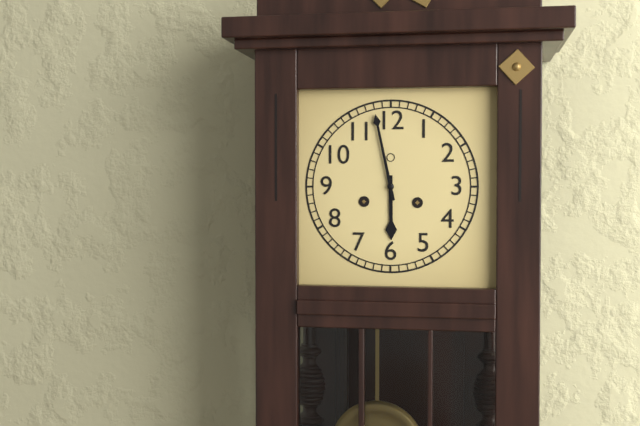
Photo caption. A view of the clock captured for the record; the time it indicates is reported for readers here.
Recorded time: 5:58
